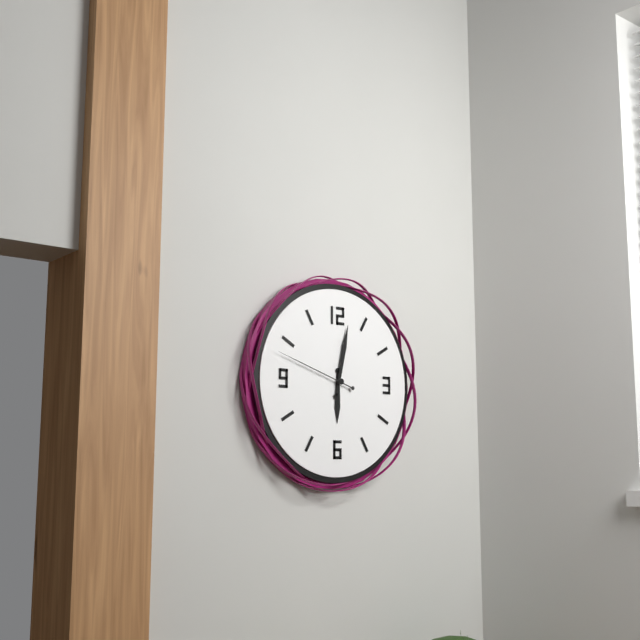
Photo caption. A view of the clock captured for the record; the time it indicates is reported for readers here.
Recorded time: 6:02:48
